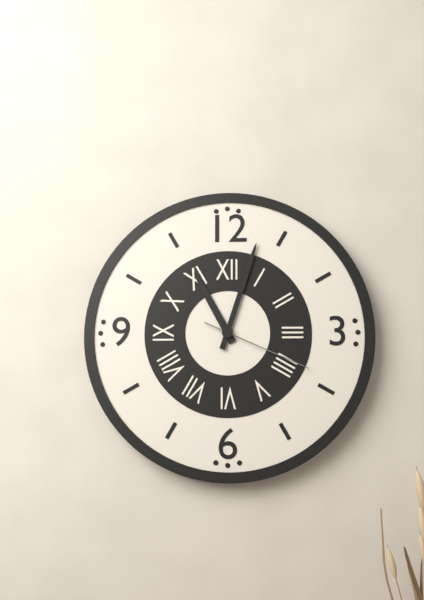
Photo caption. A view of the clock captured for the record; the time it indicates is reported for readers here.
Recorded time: 11:03:19
